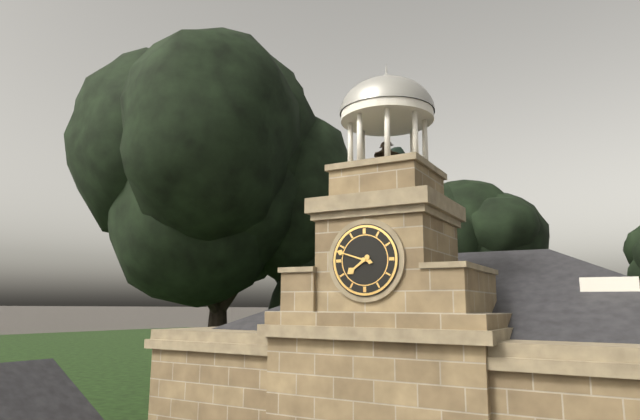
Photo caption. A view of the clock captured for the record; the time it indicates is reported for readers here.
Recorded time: 7:48
